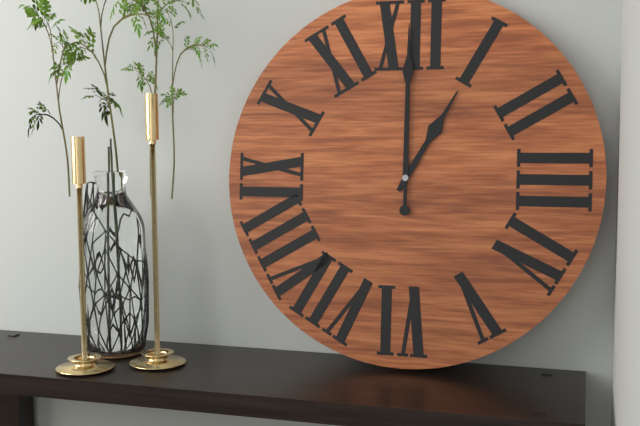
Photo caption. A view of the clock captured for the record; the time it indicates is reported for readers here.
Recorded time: 1:00
